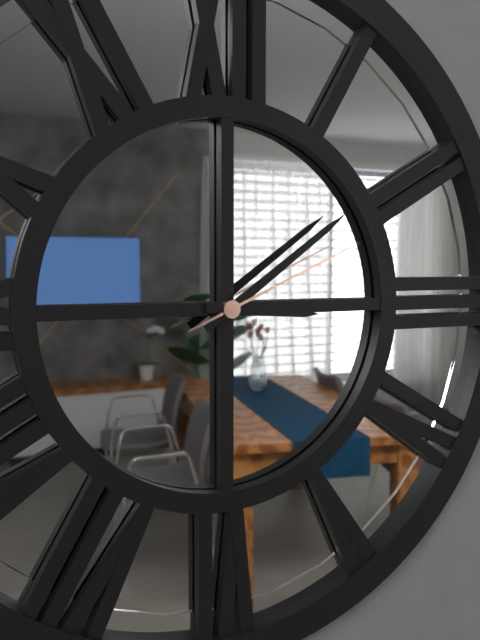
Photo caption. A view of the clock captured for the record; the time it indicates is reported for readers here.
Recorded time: 3:09:11
